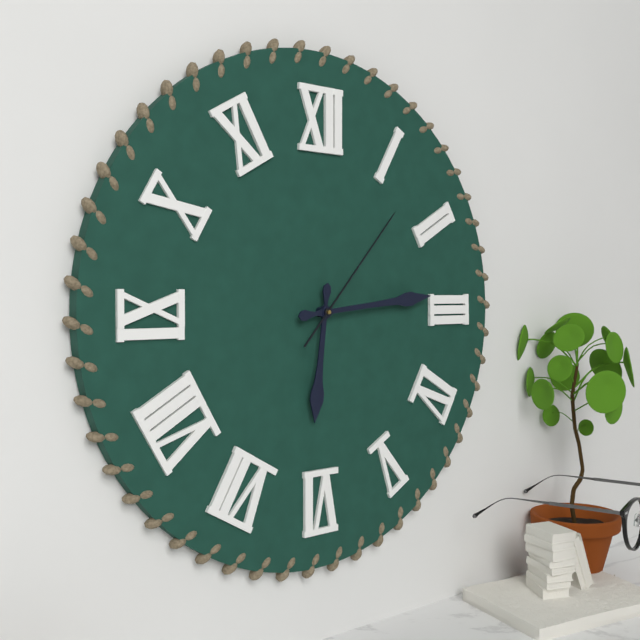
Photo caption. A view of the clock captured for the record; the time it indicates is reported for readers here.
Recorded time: 6:14:07
